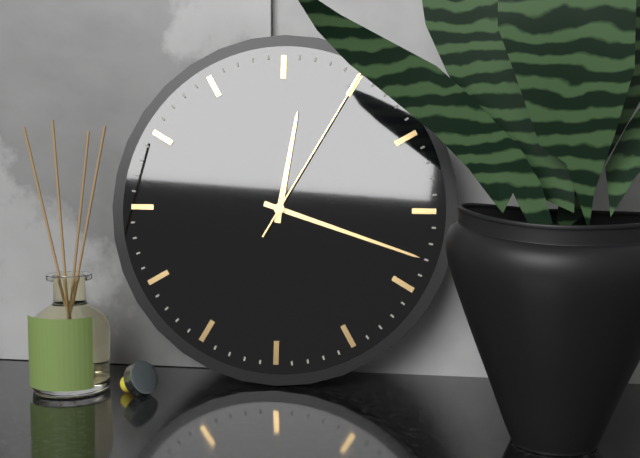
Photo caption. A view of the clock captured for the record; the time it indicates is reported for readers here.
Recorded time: 12:18:05
